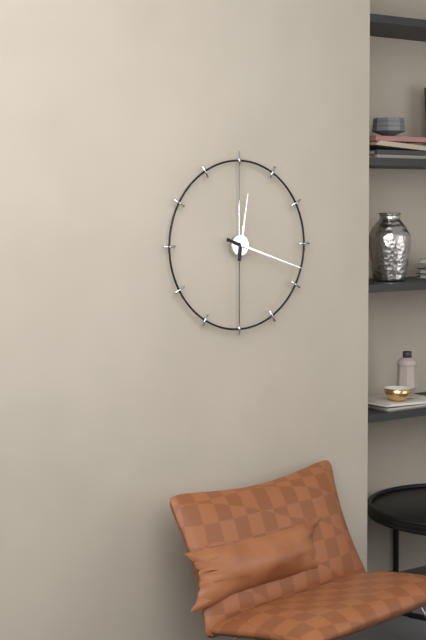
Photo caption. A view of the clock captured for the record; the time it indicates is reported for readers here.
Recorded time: 12:18
